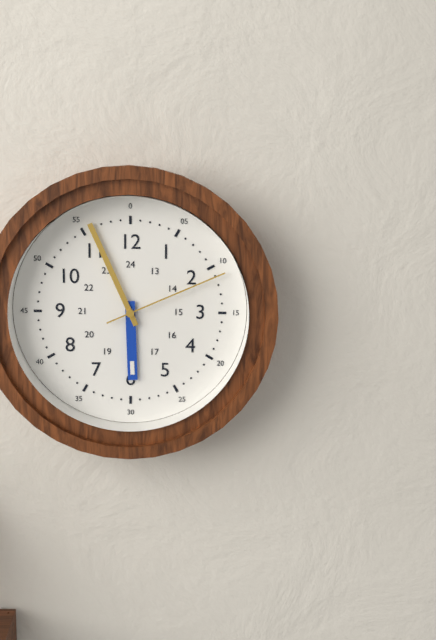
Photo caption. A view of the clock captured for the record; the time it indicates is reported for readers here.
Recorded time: 5:56:11
